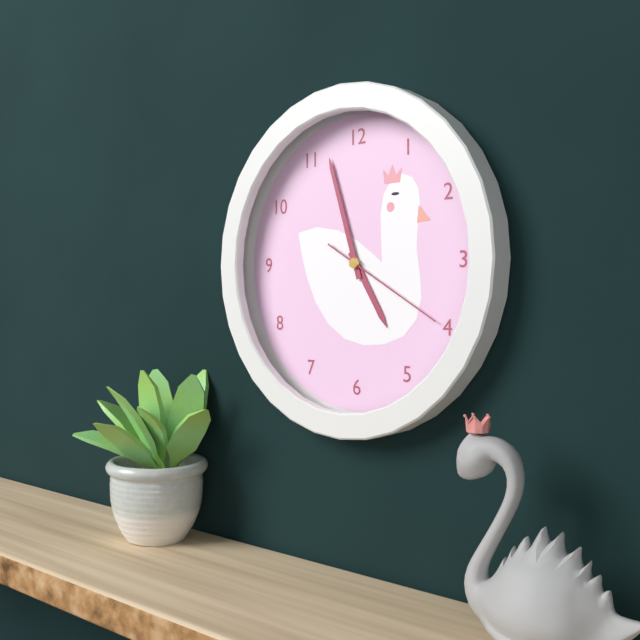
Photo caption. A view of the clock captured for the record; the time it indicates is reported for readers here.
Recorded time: 4:57:20
